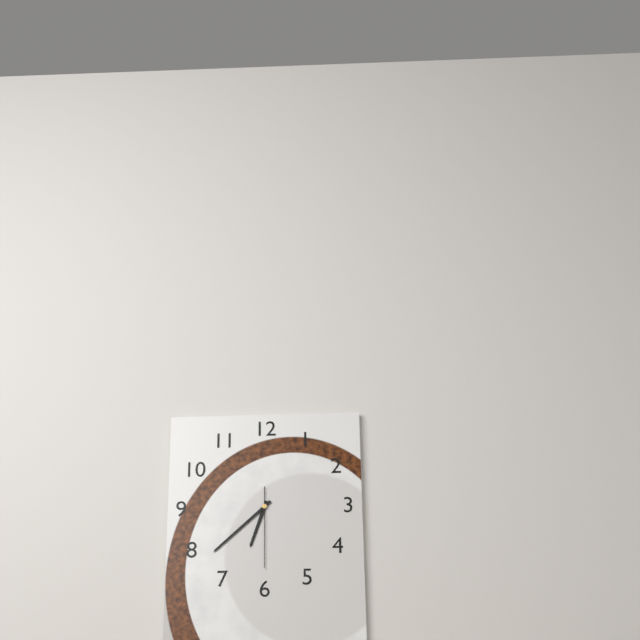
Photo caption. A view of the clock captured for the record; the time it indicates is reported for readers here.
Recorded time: 6:38:30
